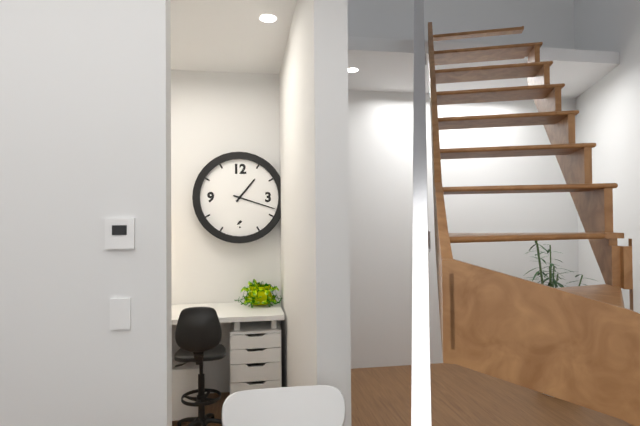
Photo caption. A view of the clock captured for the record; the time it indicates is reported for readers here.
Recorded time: 1:18
